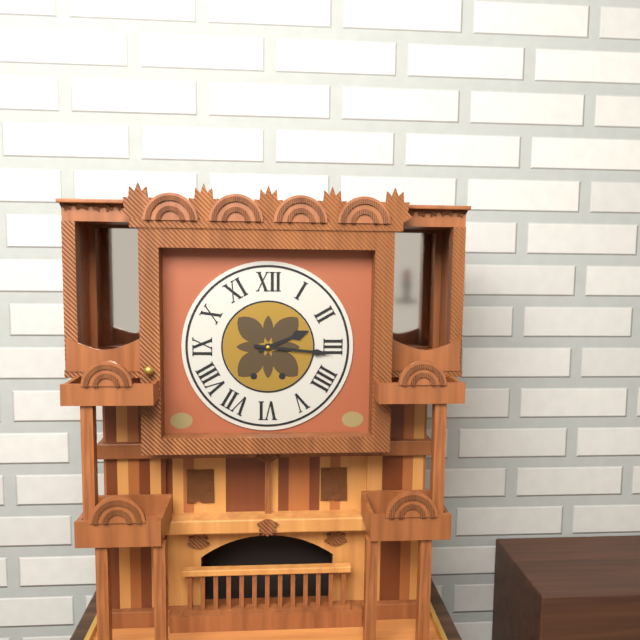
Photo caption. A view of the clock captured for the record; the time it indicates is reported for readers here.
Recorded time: 2:16
